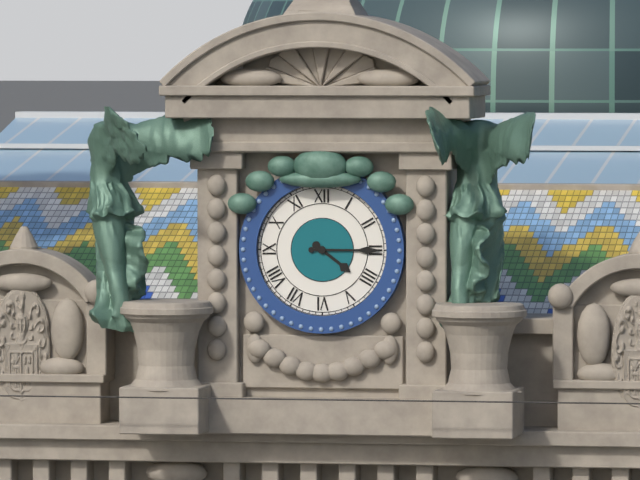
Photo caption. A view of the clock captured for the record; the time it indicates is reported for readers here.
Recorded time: 4:15
